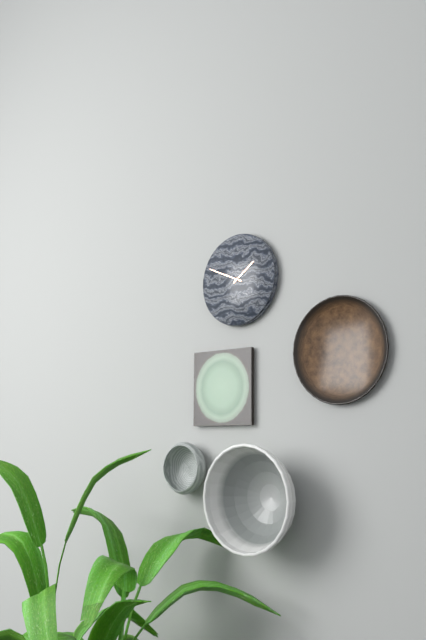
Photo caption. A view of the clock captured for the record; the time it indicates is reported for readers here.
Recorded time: 1:49
